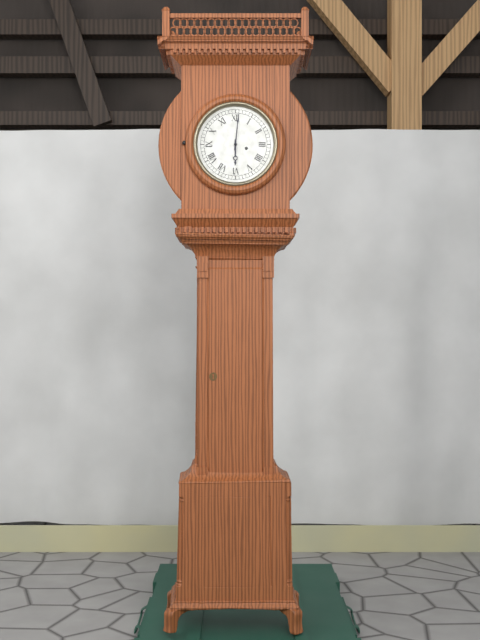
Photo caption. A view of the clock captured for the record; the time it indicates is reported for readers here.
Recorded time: 6:01
